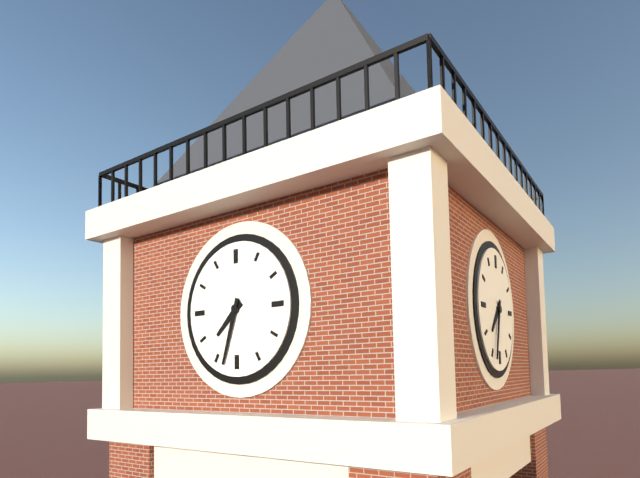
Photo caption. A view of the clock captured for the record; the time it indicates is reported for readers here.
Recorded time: 7:33
